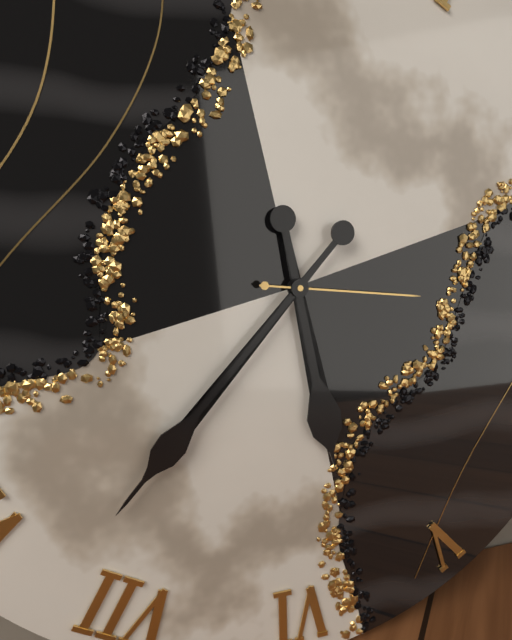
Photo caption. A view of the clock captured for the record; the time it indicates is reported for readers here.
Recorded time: 5:37:16
